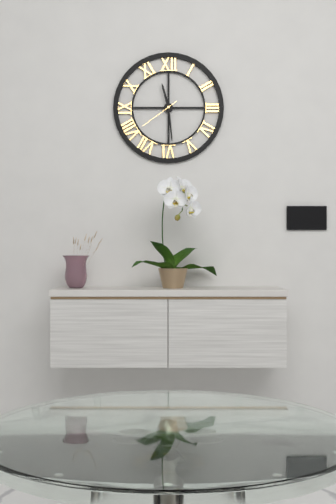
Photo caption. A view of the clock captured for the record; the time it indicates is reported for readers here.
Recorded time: 11:29
